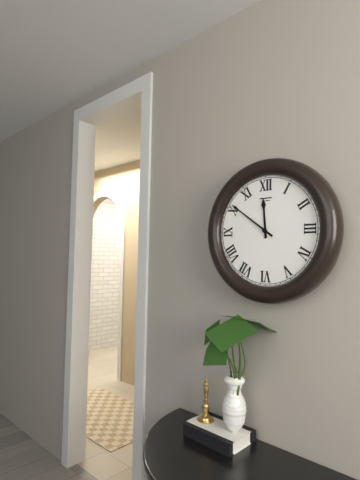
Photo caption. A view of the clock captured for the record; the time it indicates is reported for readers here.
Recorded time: 11:51
